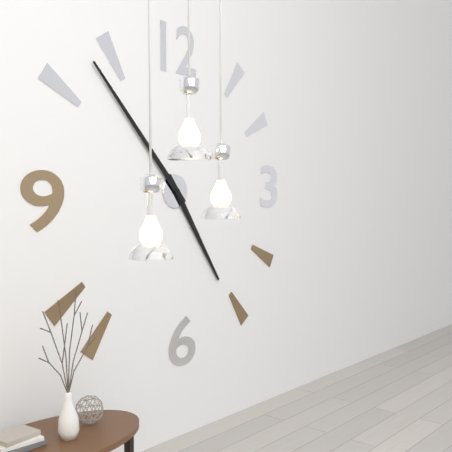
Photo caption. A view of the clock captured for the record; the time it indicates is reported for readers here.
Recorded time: 4:53
